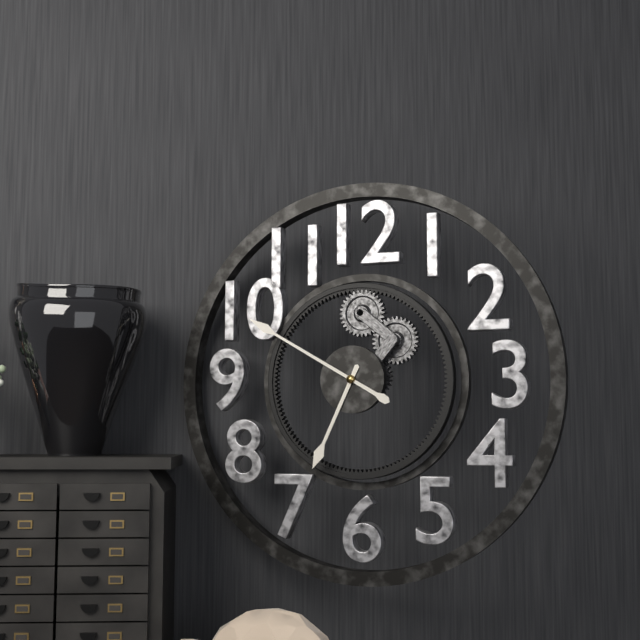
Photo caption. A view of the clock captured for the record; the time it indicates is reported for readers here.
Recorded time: 6:50
